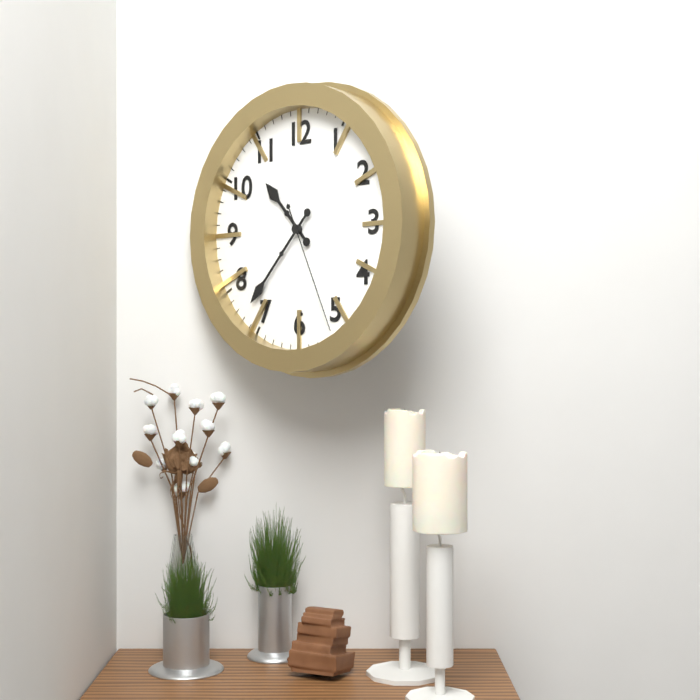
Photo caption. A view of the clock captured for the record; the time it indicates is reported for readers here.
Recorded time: 10:37:26
